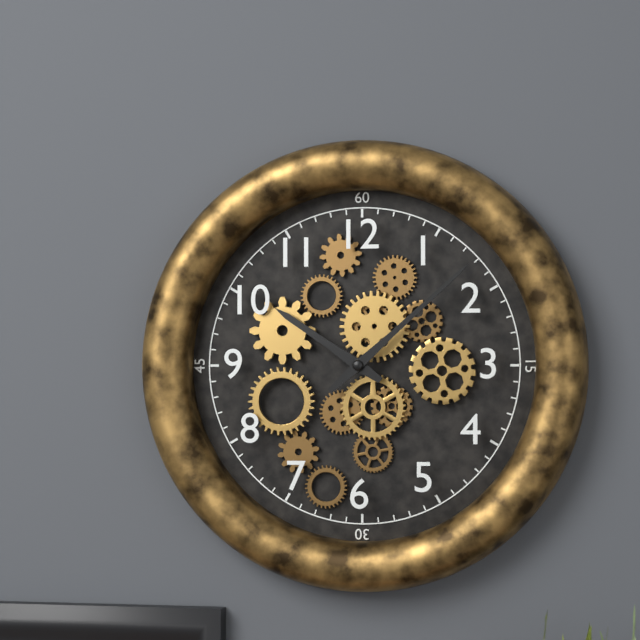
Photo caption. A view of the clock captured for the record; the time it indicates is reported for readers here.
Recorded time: 10:08
